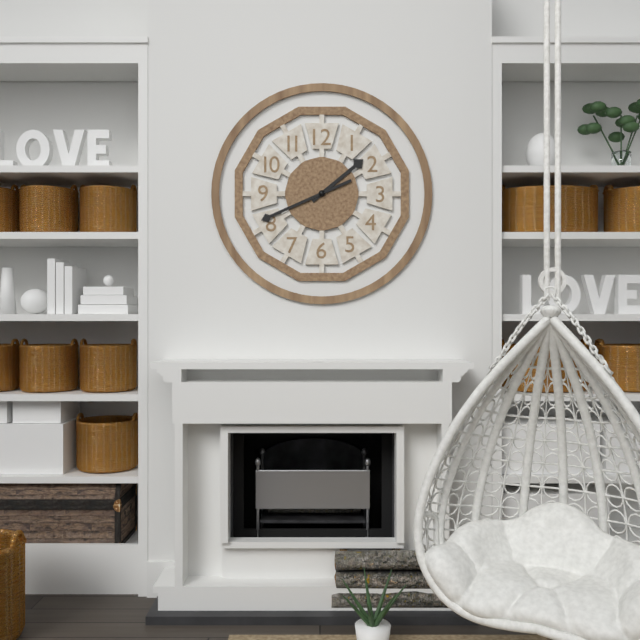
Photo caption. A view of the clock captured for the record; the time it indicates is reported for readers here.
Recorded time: 1:41
